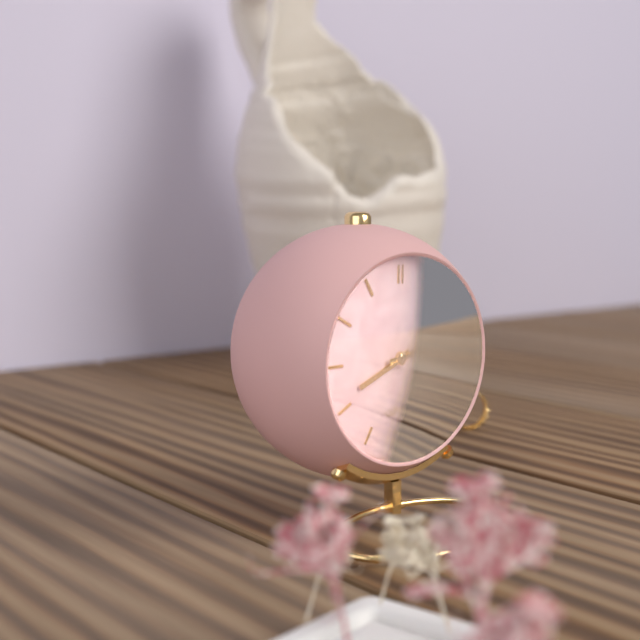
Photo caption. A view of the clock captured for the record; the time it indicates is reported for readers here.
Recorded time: 8:14:12
